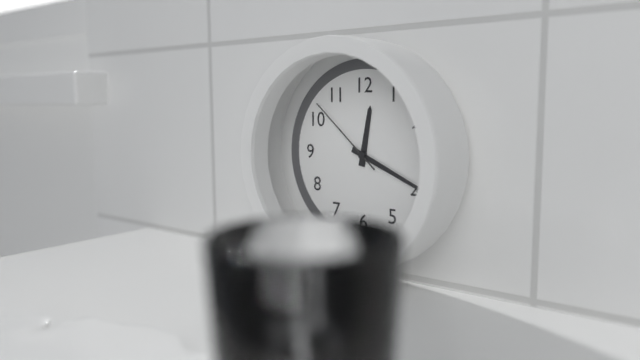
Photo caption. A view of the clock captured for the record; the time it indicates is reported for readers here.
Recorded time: 12:19:52
